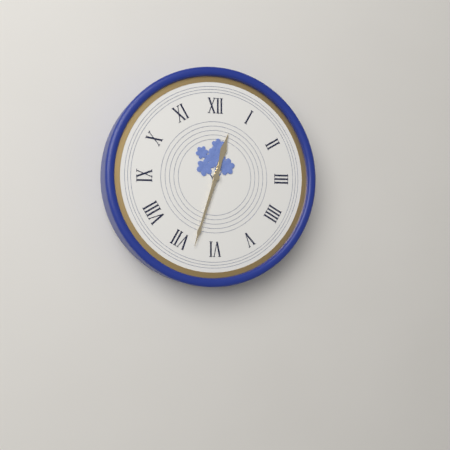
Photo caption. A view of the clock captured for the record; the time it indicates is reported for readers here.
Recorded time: 12:33
